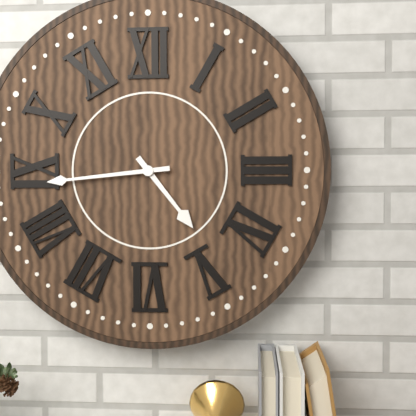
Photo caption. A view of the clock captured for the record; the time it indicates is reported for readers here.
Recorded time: 4:44
